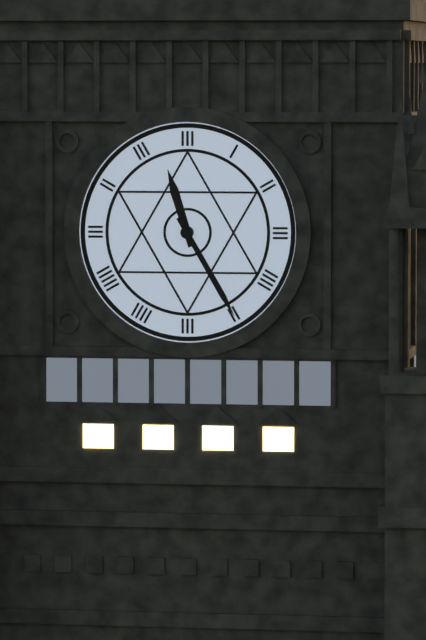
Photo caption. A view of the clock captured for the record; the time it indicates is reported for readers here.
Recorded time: 11:25
